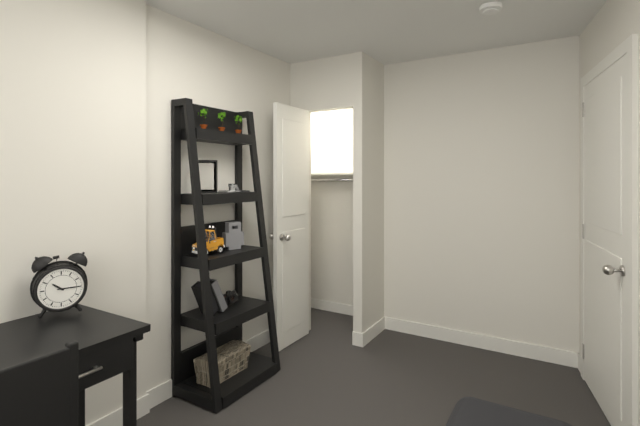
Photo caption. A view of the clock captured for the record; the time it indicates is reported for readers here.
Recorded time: 10:15
